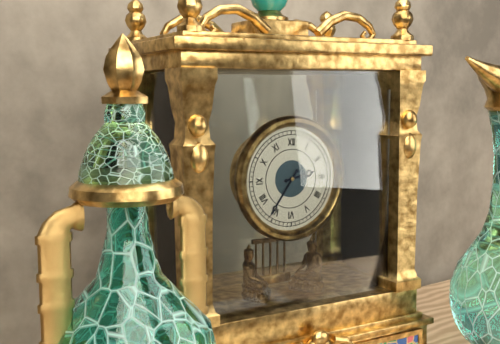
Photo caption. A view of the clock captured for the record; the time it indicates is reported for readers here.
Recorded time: 2:36
